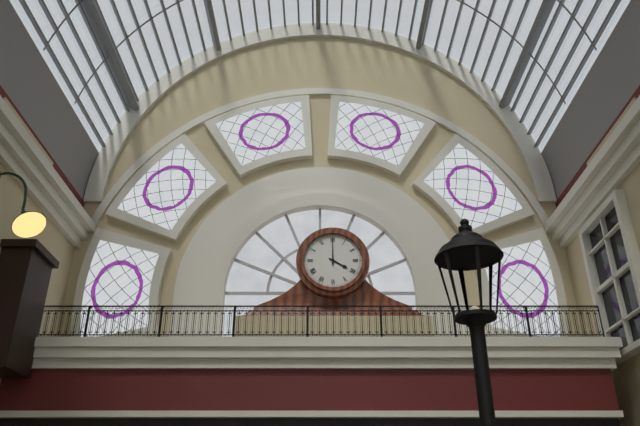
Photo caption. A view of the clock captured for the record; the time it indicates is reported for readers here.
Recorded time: 4:00
